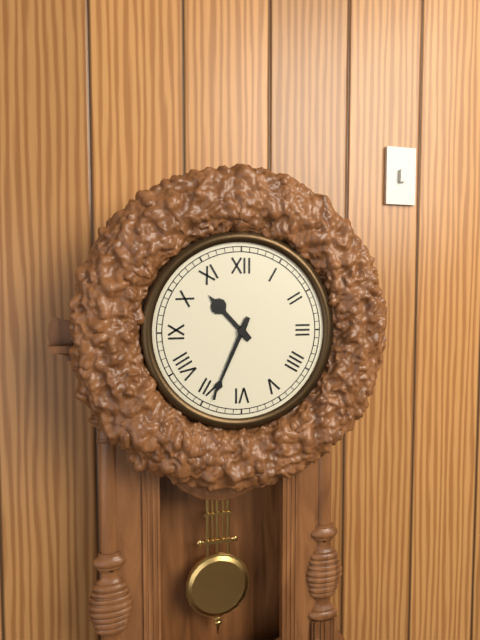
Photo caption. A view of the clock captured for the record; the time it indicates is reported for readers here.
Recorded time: 10:34
